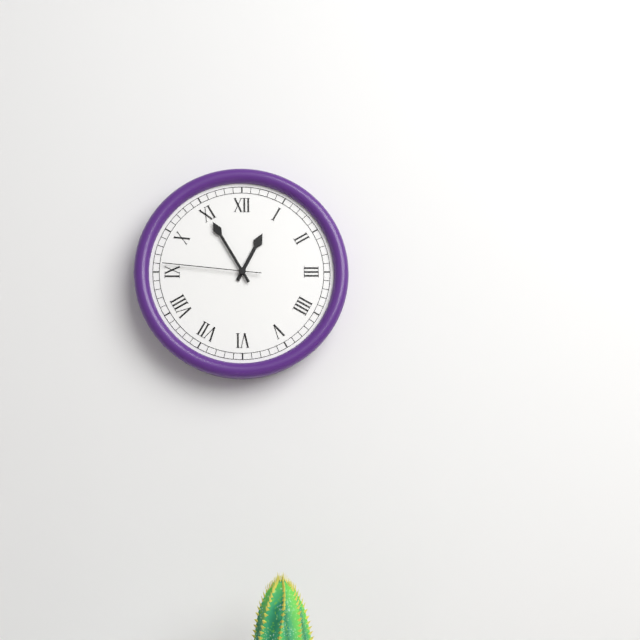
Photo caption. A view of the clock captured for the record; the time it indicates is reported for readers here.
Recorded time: 12:55:46
